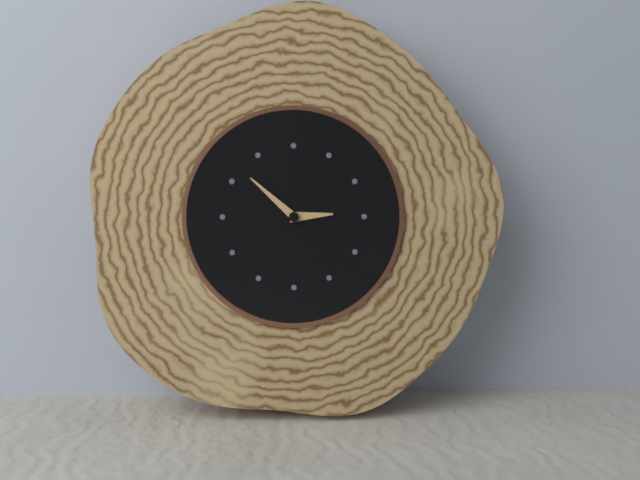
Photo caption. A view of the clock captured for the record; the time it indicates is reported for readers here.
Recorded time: 2:52
